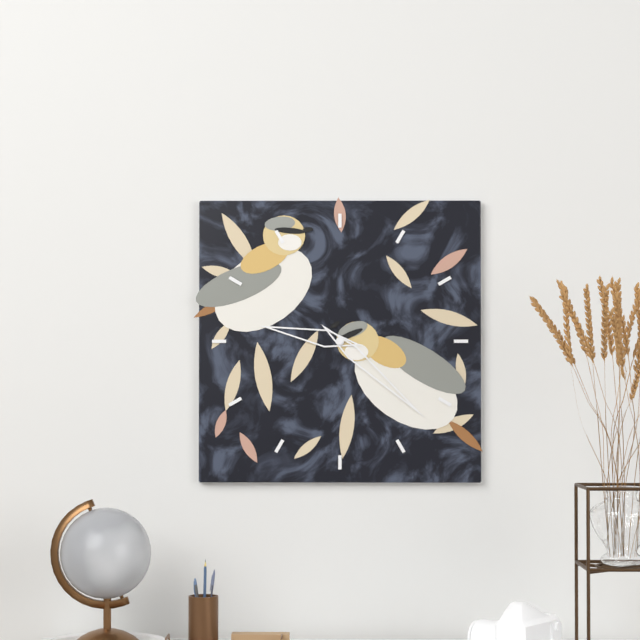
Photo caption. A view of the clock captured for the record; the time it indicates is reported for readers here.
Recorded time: 9:22
